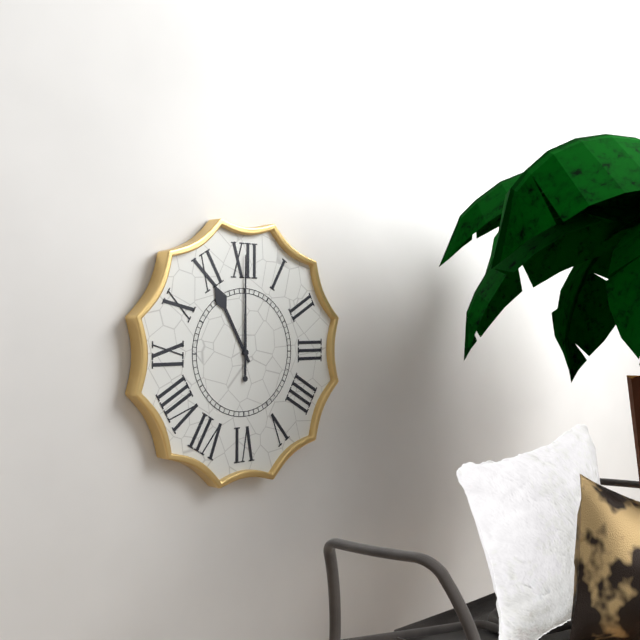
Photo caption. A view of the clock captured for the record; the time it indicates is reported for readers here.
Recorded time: 11:00
